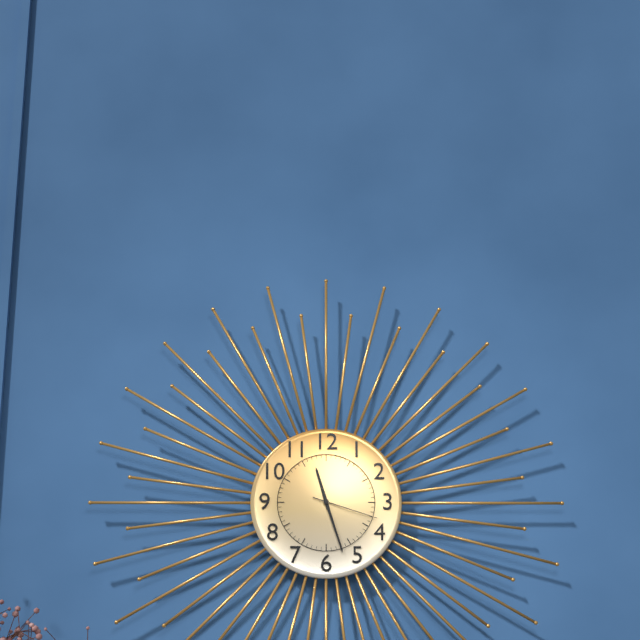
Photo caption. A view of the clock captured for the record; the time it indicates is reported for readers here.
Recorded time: 11:27:18
